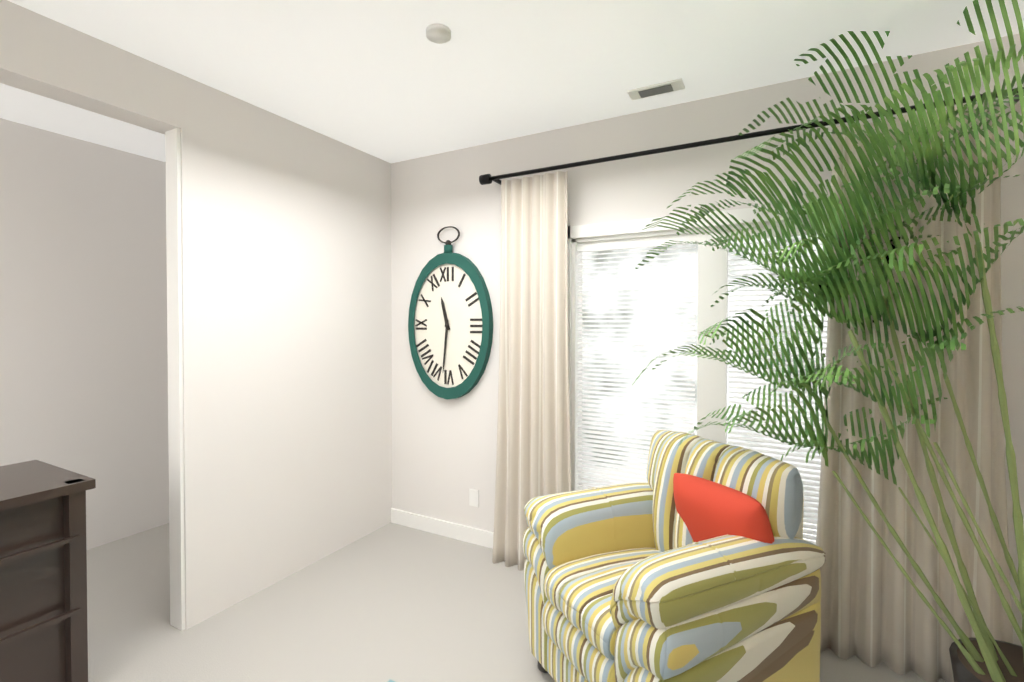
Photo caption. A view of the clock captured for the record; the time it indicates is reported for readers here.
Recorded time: 11:31
